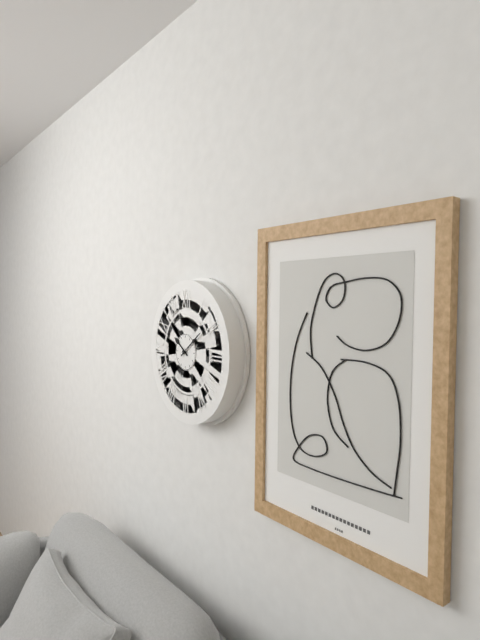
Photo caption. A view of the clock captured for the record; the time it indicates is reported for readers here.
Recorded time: 10:09
